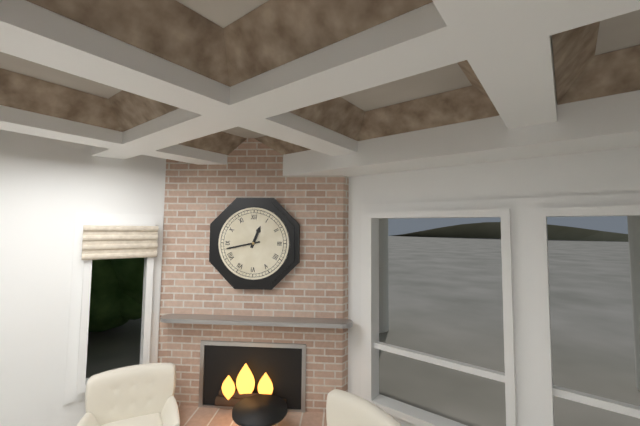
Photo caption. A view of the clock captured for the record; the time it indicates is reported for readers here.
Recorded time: 12:43
